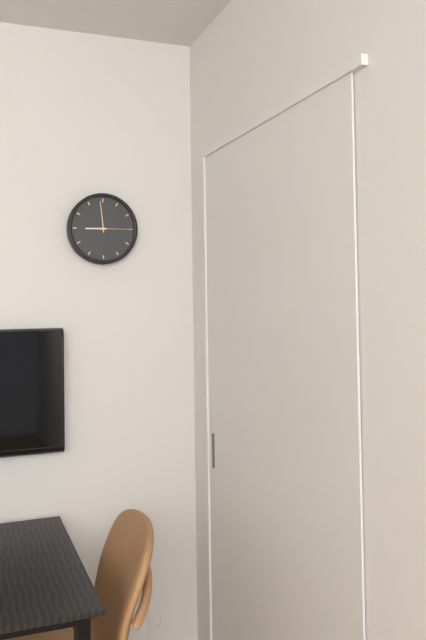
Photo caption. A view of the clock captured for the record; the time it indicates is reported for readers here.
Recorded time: 8:59
